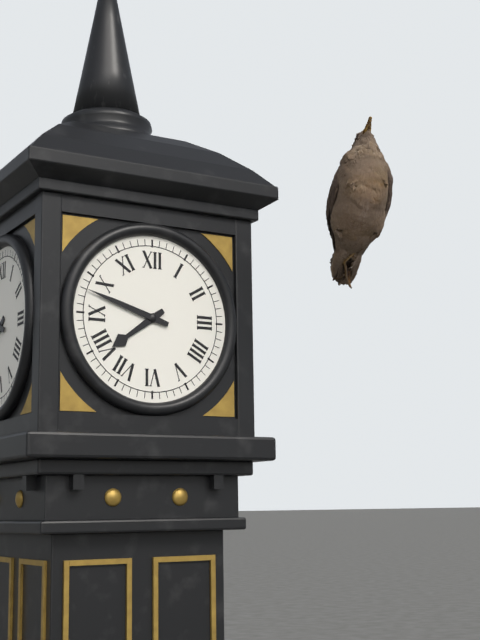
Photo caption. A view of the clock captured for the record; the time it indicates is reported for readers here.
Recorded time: 7:48
